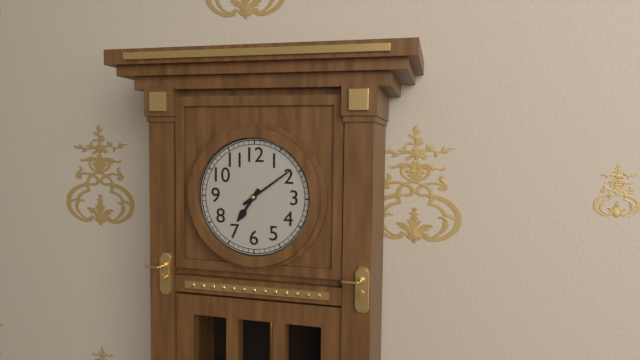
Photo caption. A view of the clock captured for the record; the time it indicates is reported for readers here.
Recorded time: 7:09
